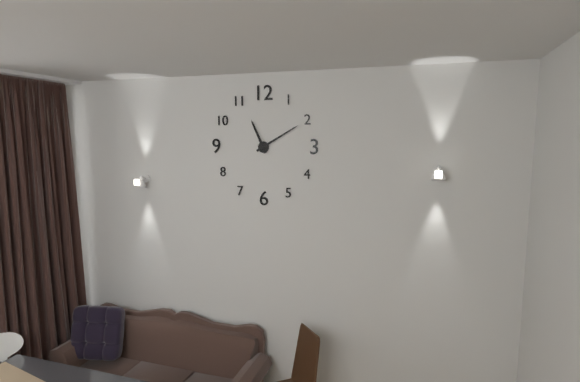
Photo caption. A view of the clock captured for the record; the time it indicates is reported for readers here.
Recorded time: 11:10
